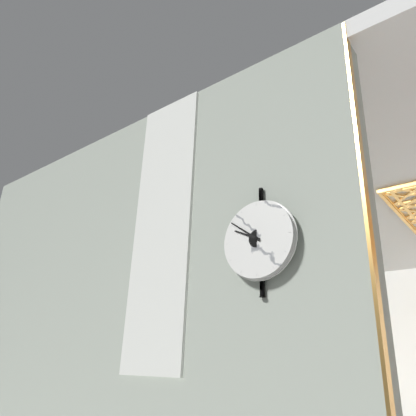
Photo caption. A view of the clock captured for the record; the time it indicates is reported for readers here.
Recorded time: 9:51
